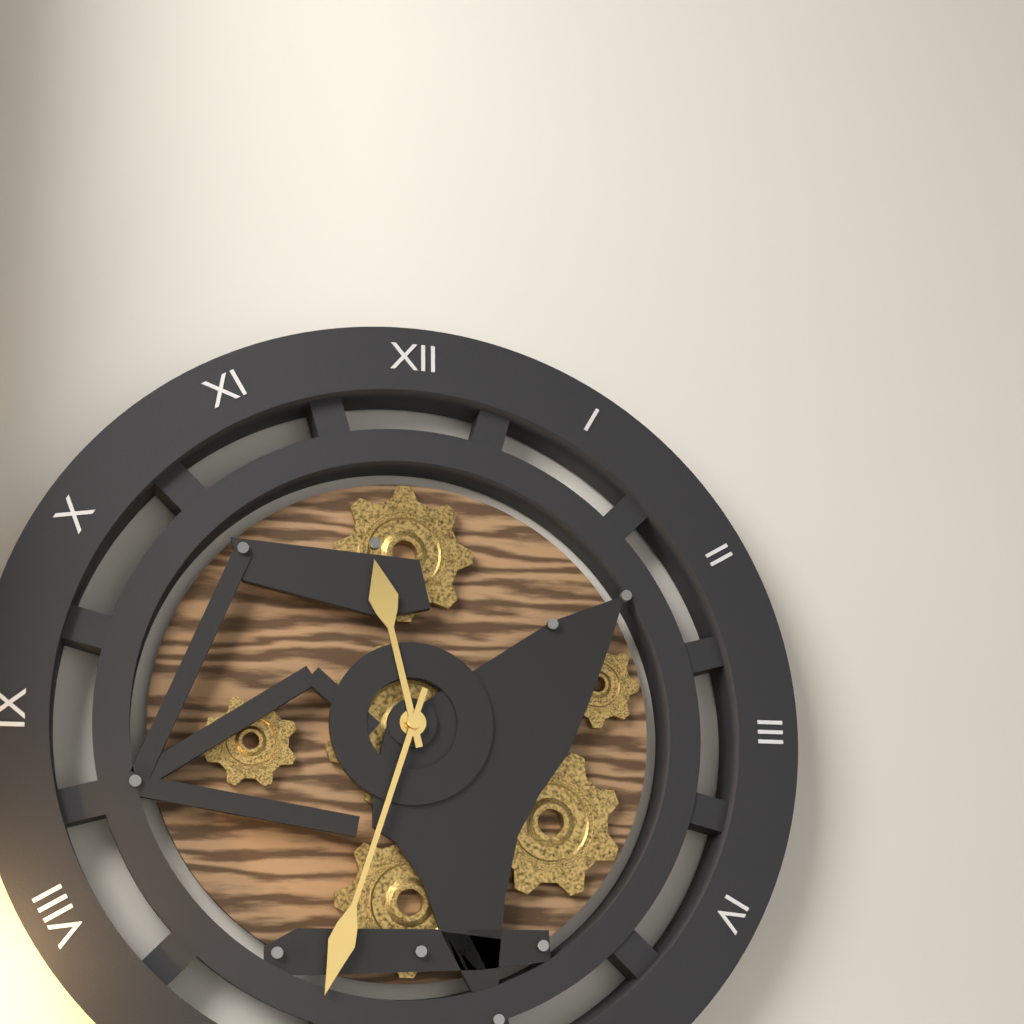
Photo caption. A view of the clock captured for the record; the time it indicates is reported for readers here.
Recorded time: 11:33
